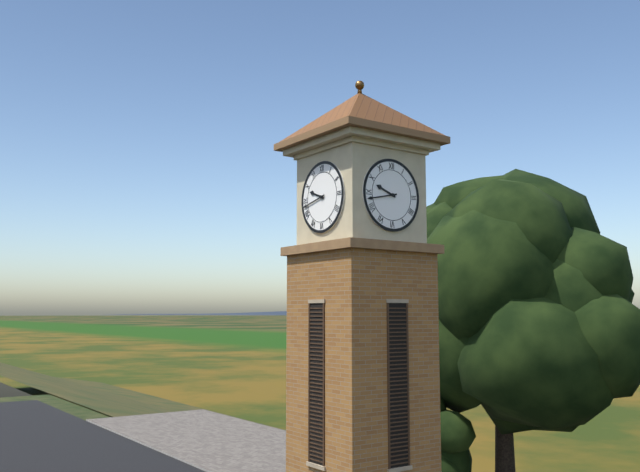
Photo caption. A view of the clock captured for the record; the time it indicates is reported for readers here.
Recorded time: 9:43
